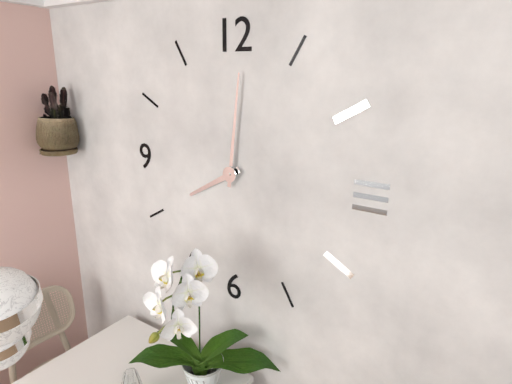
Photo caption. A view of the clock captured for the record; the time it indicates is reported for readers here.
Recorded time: 8:01
